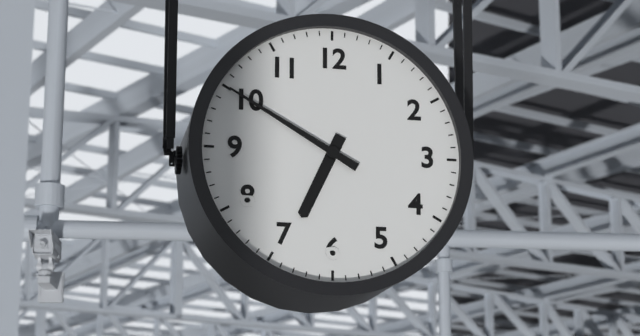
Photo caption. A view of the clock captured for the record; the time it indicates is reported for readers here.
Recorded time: 6:50
